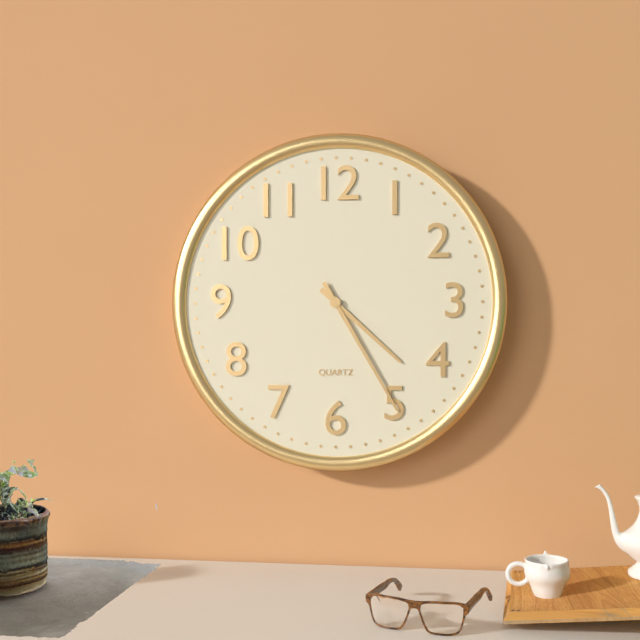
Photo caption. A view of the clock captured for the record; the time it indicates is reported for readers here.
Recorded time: 4:25
